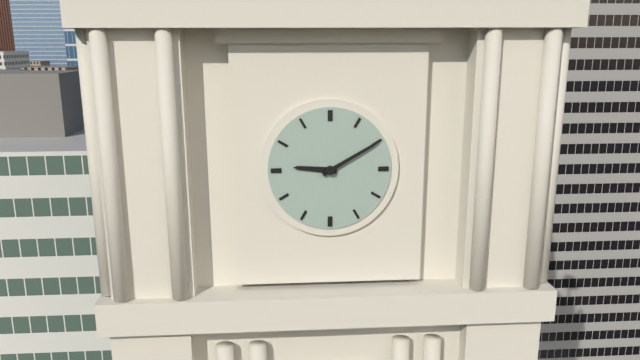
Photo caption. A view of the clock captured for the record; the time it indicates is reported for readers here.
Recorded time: 9:10
